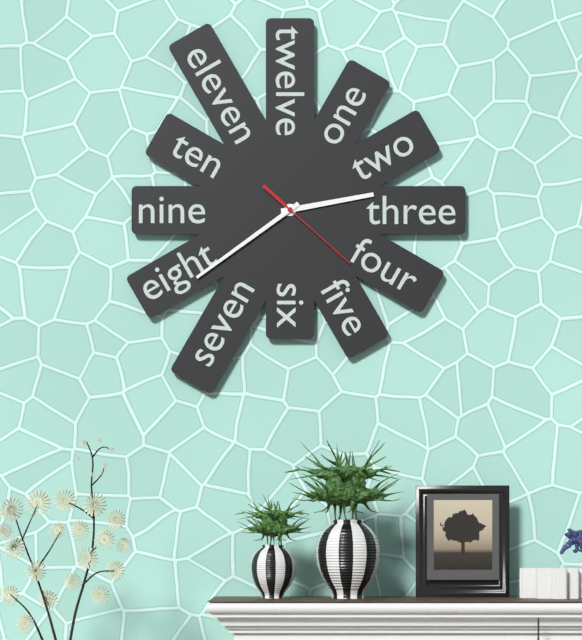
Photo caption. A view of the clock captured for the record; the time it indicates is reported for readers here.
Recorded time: 2:39:22
